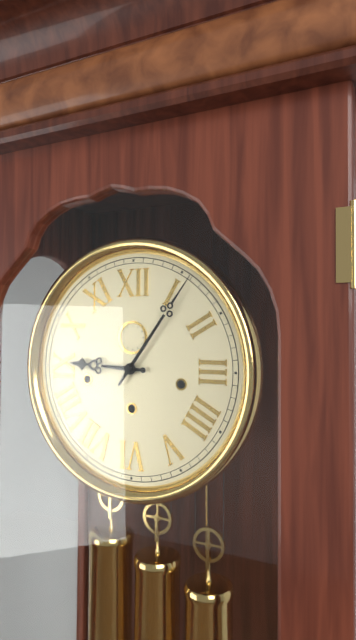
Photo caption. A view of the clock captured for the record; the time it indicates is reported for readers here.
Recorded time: 9:06
